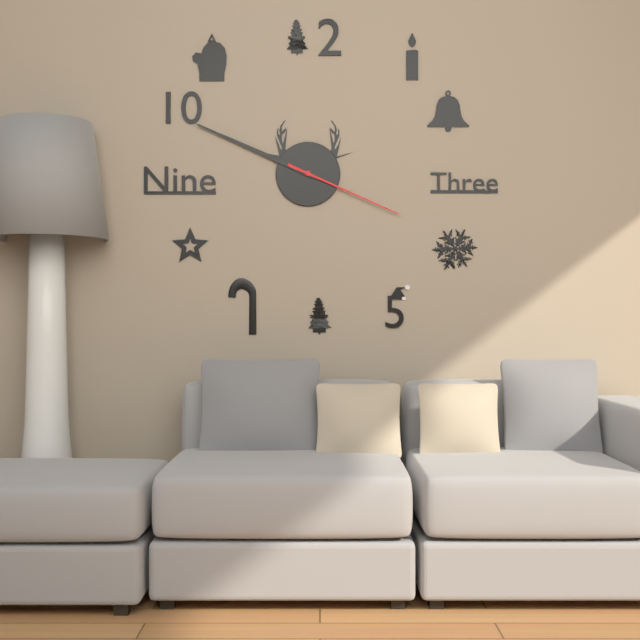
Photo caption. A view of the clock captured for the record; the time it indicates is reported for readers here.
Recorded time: 9:49:19
